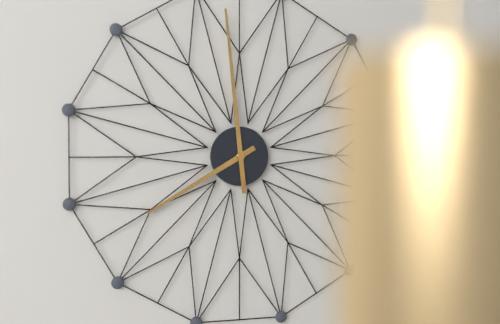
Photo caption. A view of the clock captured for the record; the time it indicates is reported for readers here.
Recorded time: 7:59
